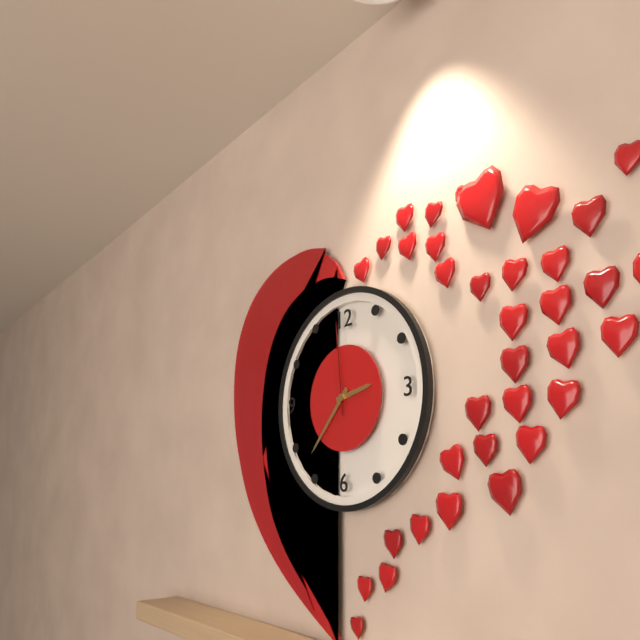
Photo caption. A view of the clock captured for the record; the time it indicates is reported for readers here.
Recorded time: 2:37:59
